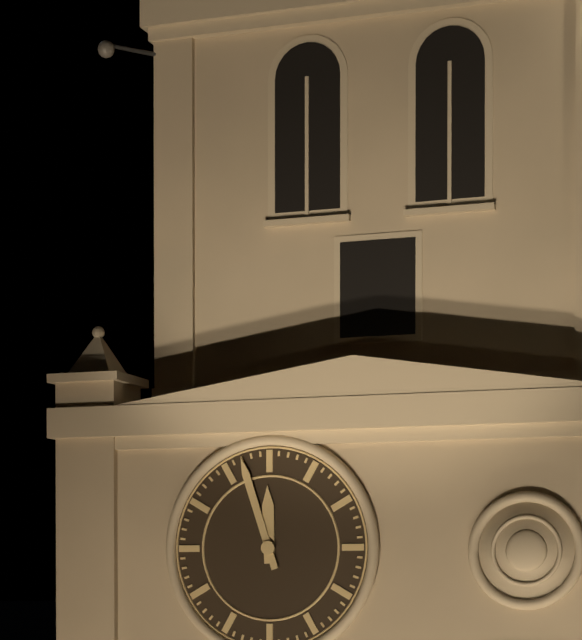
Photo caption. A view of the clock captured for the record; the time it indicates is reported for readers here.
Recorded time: 11:57
